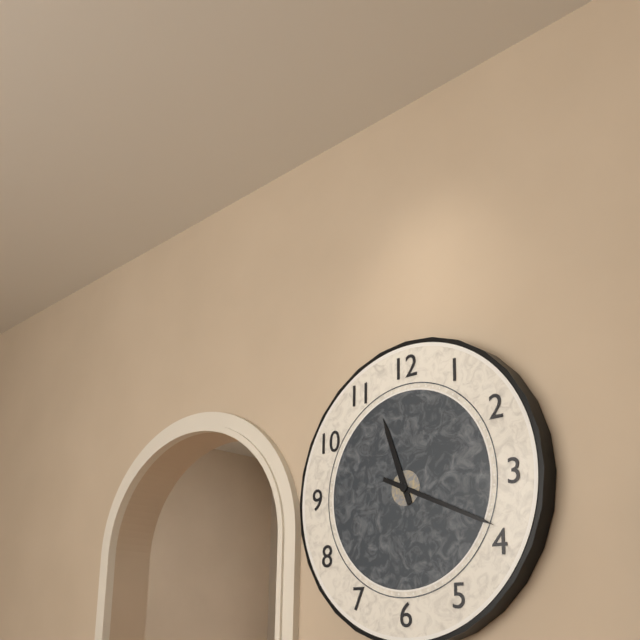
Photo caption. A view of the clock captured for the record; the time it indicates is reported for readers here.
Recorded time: 11:19
